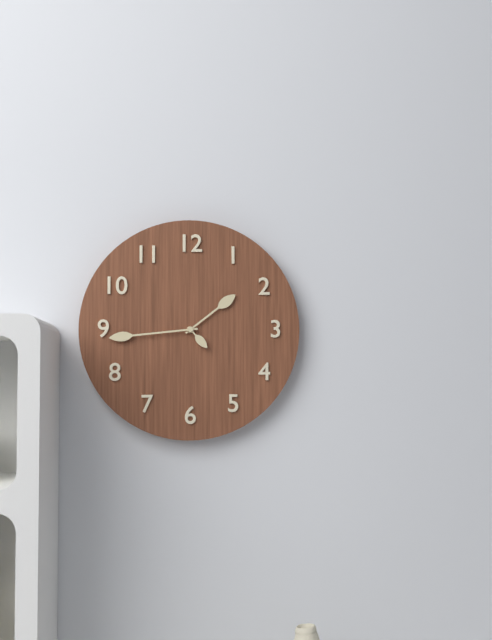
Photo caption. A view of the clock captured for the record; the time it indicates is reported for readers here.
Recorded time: 1:44
